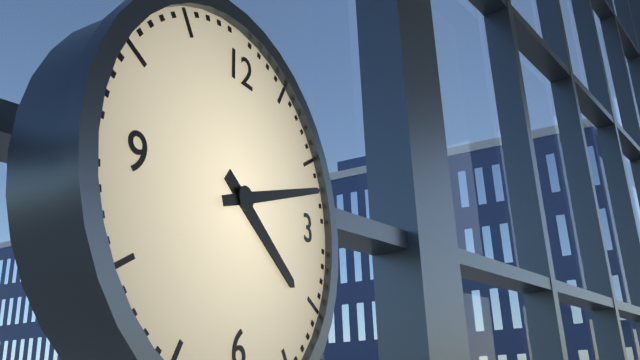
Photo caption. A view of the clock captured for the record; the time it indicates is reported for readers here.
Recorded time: 4:12
